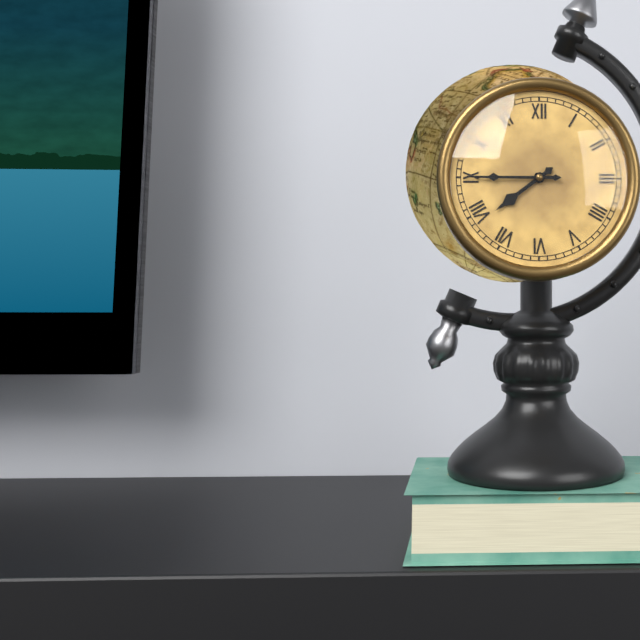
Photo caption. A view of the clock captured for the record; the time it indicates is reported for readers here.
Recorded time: 7:45
